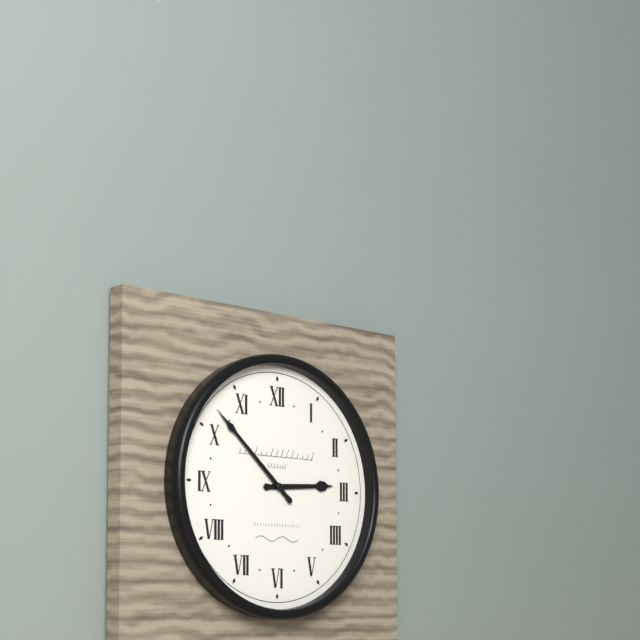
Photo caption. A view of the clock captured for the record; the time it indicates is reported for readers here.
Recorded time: 2:52
